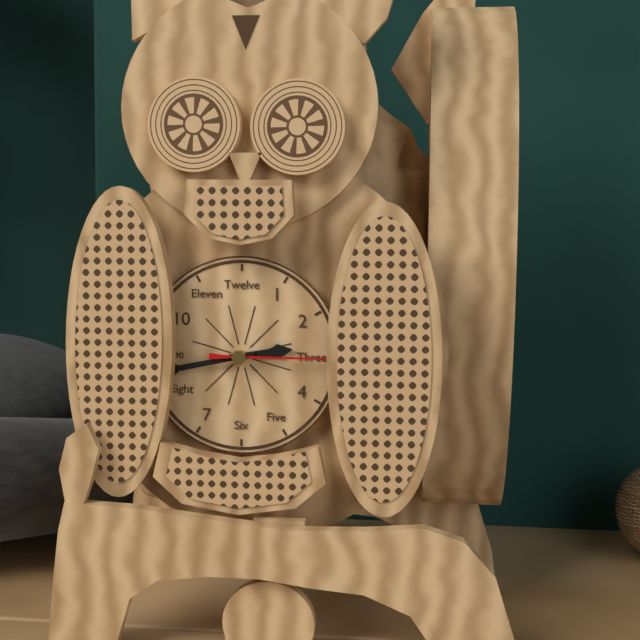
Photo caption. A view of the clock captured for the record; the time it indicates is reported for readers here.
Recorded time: 2:43:15
